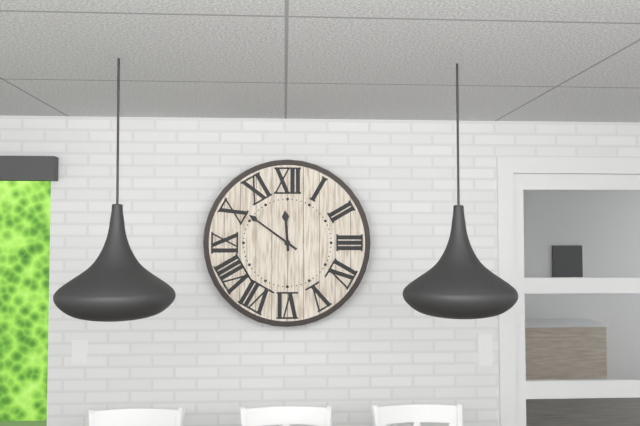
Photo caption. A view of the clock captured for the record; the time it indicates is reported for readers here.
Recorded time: 11:51
